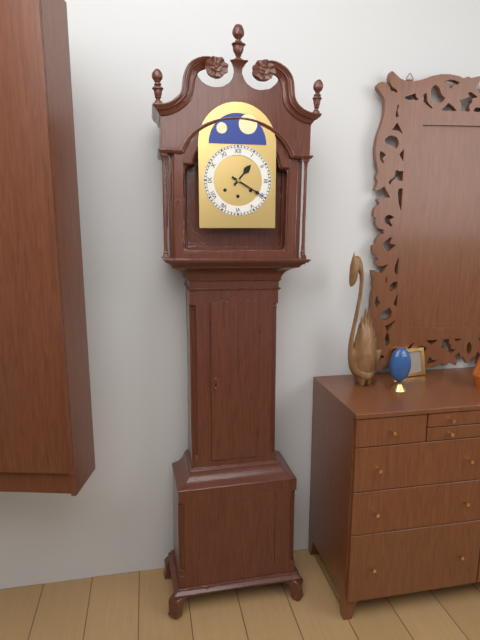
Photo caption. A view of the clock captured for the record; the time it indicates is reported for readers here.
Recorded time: 1:20
